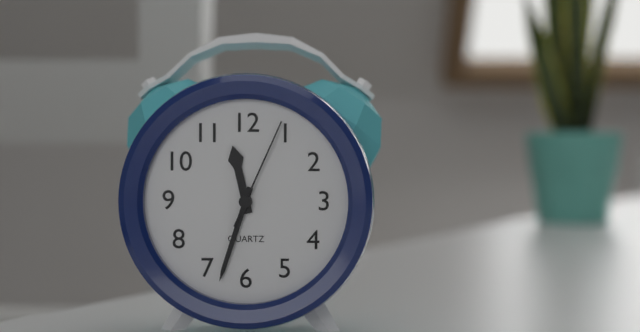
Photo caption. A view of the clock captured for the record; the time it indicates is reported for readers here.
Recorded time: 11:33:04
